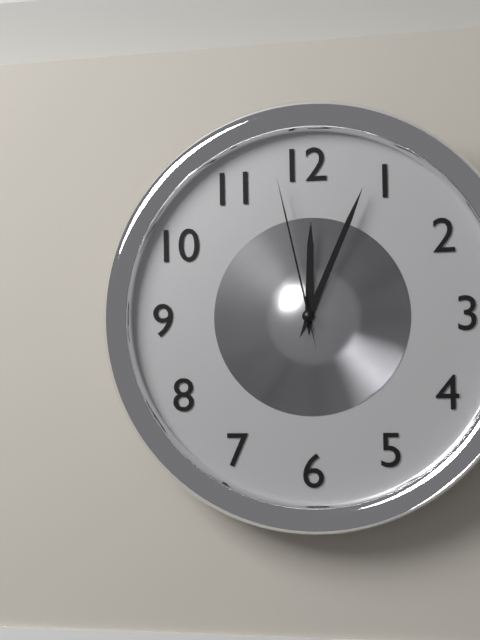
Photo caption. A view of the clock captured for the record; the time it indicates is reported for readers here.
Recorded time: 12:04:58
